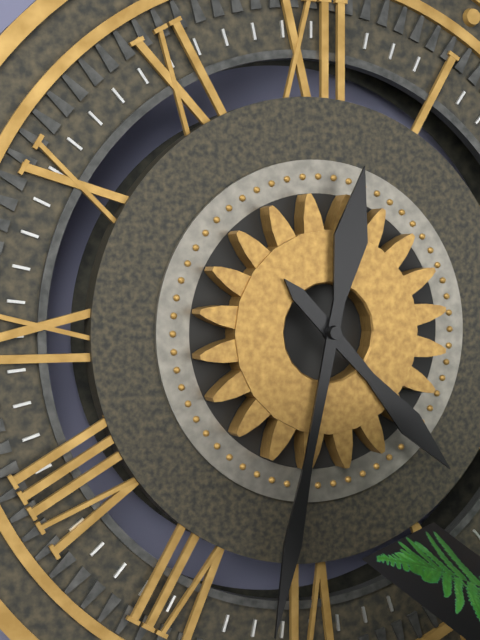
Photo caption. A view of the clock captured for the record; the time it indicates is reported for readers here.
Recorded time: 4:32
